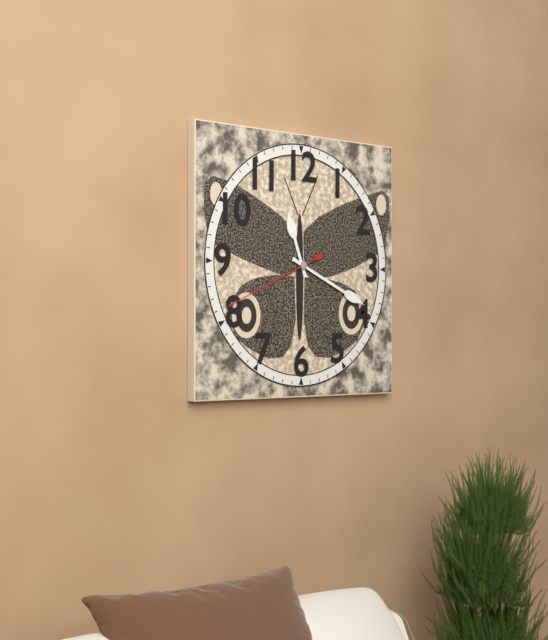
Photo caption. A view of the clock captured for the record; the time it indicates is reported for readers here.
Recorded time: 11:19:41
